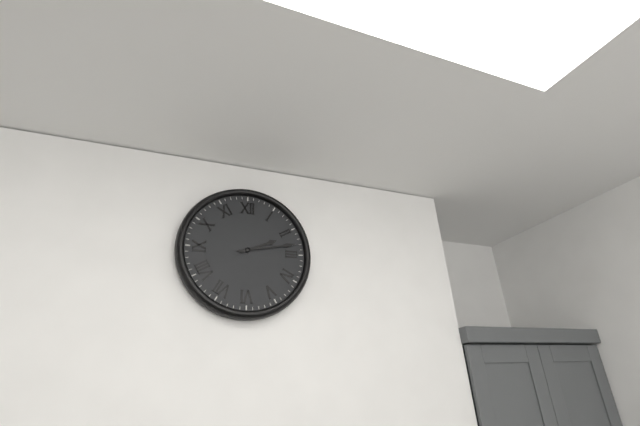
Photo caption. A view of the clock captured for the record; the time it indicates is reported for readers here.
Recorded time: 2:13
